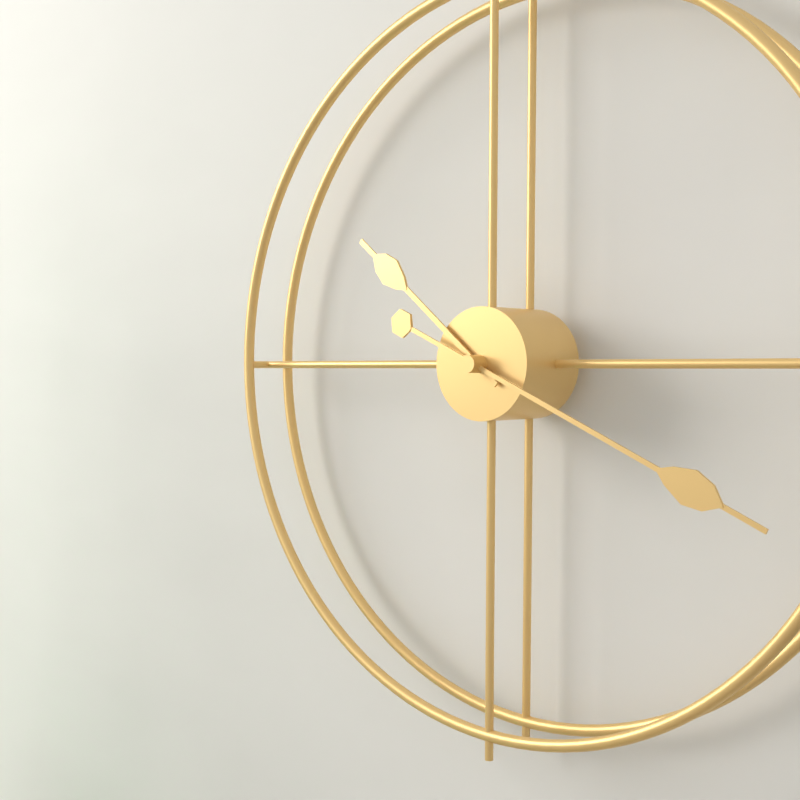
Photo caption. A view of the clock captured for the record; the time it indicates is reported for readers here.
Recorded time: 10:19
